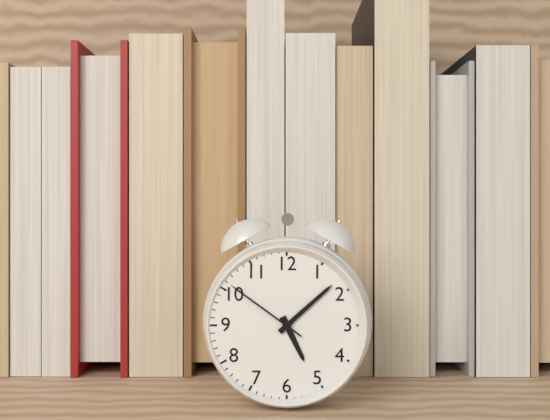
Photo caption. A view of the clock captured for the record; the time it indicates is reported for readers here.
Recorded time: 5:08:51
